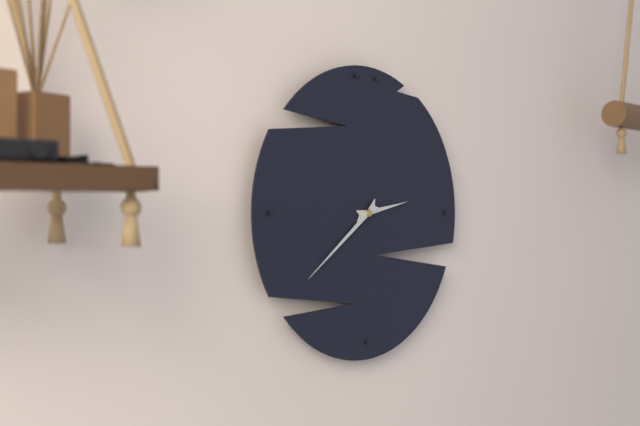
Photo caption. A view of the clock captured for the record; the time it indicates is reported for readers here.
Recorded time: 2:39
